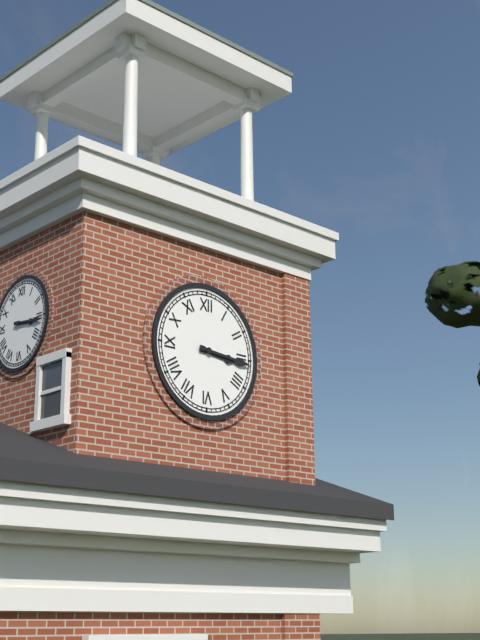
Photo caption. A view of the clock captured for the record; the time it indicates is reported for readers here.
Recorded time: 3:16
